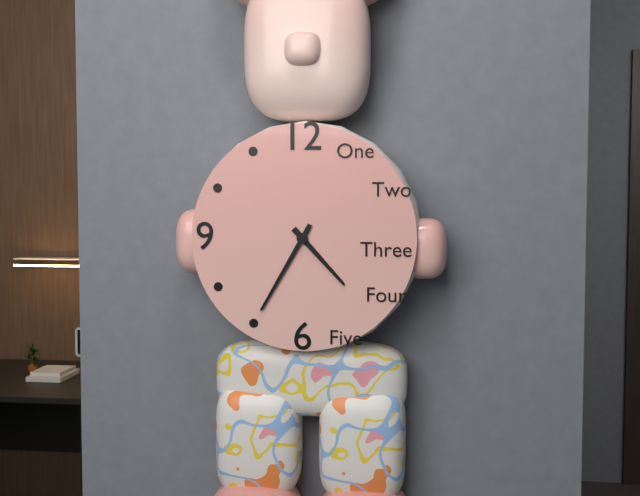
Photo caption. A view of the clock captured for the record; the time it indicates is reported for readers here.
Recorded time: 4:35
